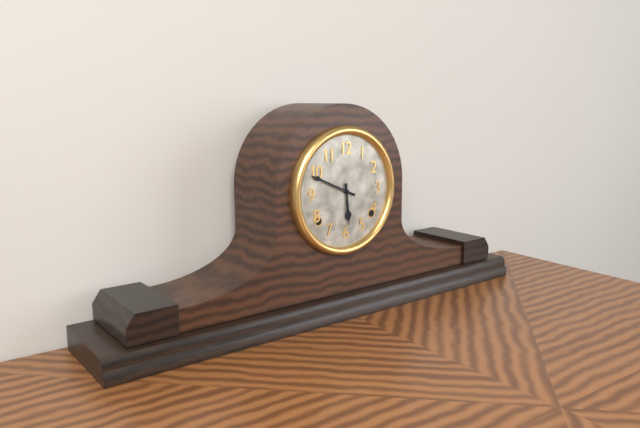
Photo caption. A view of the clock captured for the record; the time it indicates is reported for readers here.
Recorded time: 5:49
